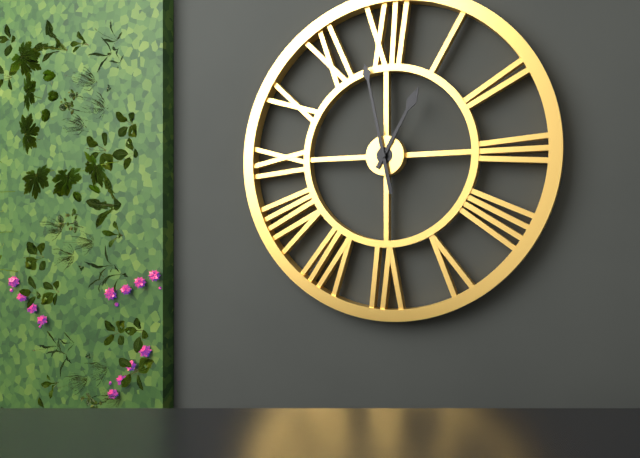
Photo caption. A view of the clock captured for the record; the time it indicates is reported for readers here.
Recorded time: 12:58
